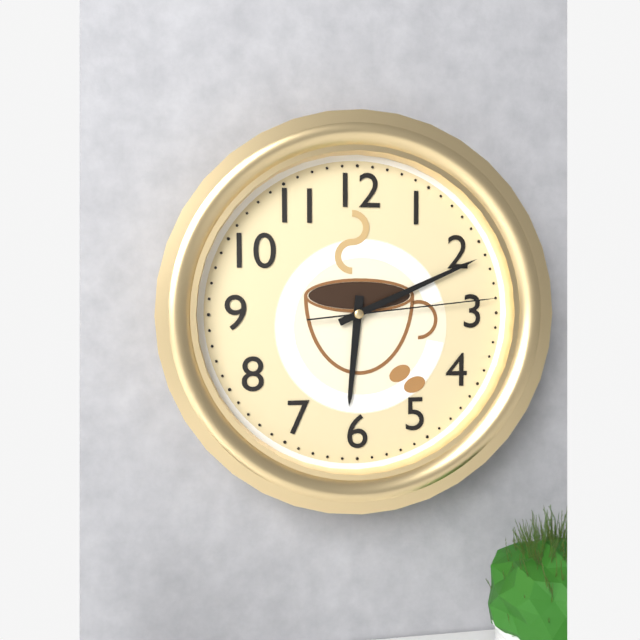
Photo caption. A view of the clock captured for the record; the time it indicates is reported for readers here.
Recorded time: 6:11:14
